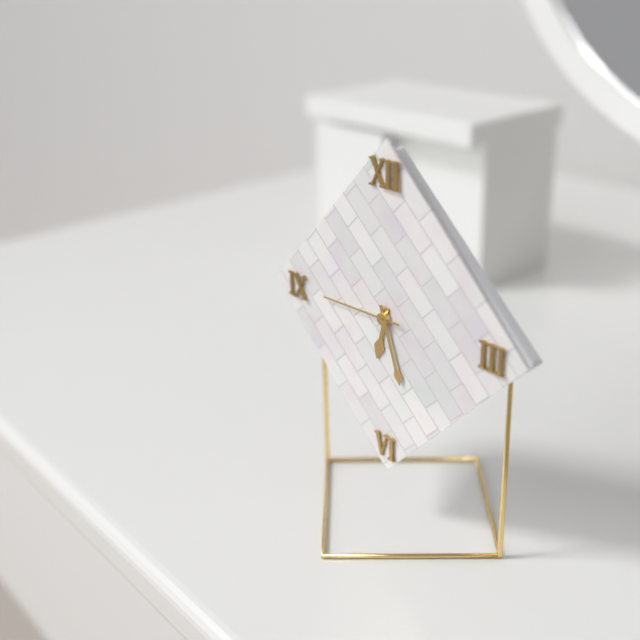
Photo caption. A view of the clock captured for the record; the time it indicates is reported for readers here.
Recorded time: 6:27:45
